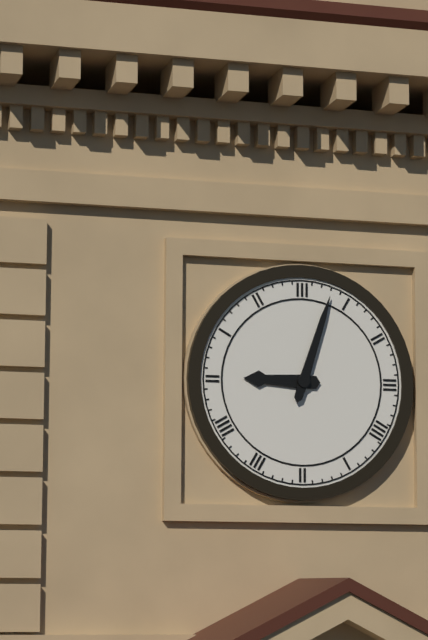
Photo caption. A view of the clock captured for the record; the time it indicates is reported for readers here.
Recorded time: 9:03
